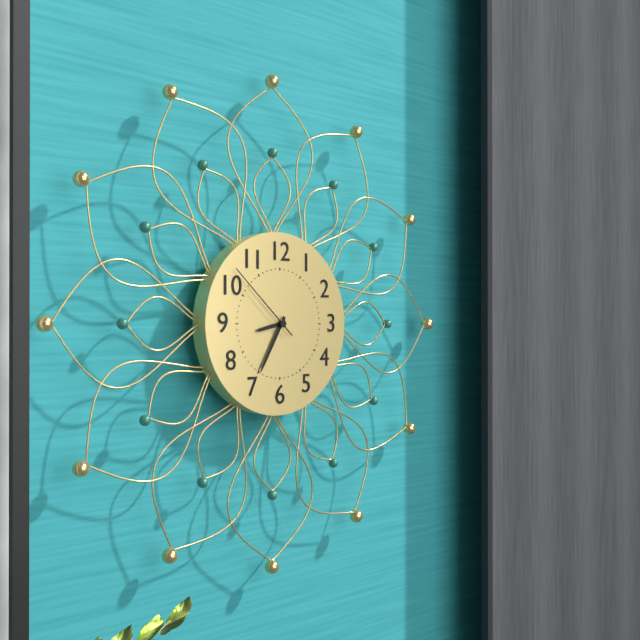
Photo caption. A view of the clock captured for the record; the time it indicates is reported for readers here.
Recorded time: 8:35:52
